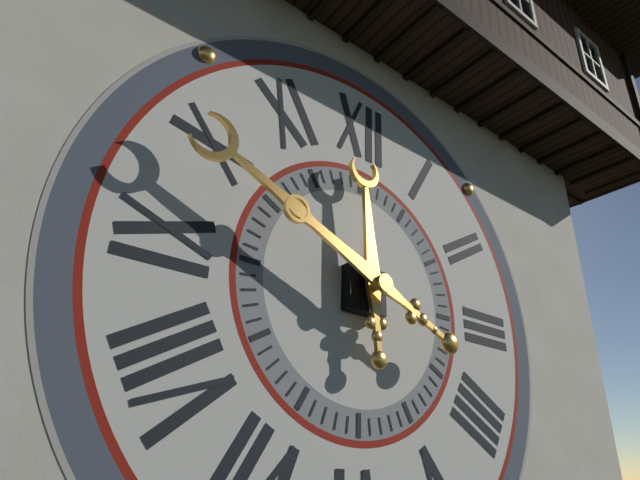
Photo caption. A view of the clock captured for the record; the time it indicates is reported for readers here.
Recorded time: 11:49
